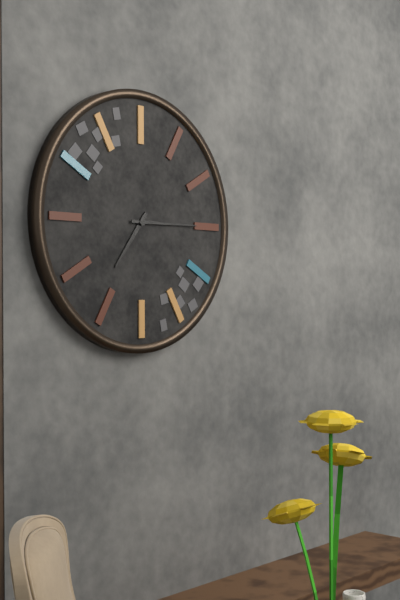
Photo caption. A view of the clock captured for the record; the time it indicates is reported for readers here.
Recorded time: 7:15
